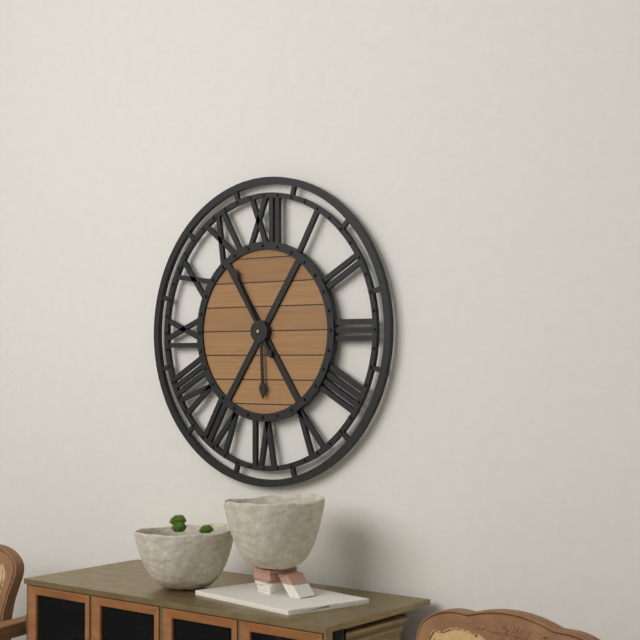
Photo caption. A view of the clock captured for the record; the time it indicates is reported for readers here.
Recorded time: 5:55
